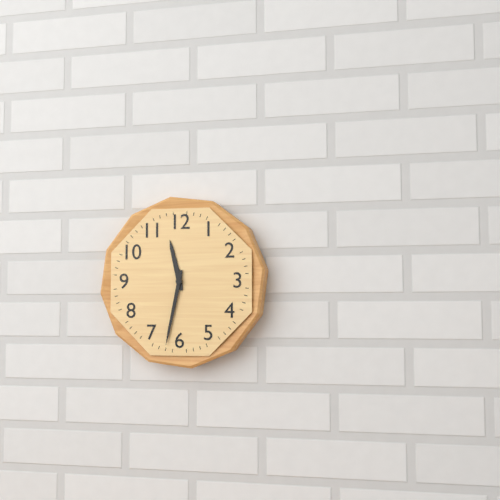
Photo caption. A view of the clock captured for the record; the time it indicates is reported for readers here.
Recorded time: 11:32
